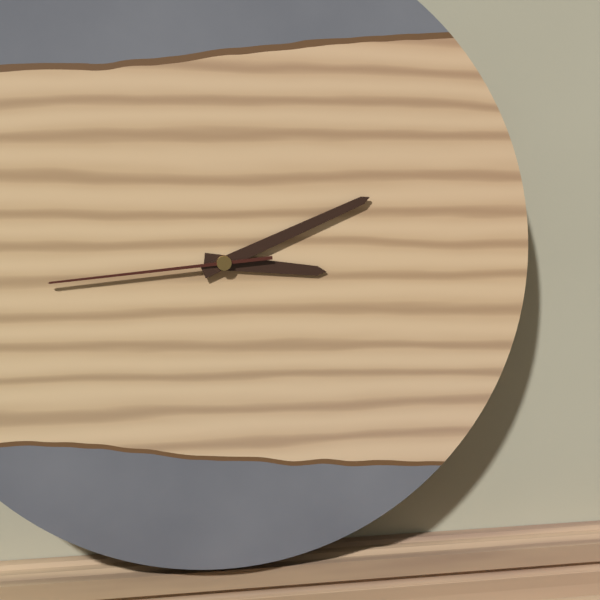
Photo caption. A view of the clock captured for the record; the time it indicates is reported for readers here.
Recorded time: 3:11:44
